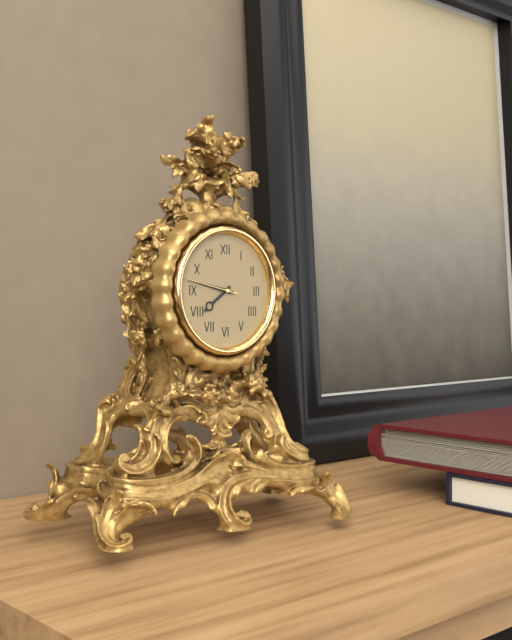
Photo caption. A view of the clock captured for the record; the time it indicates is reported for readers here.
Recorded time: 7:47:47
